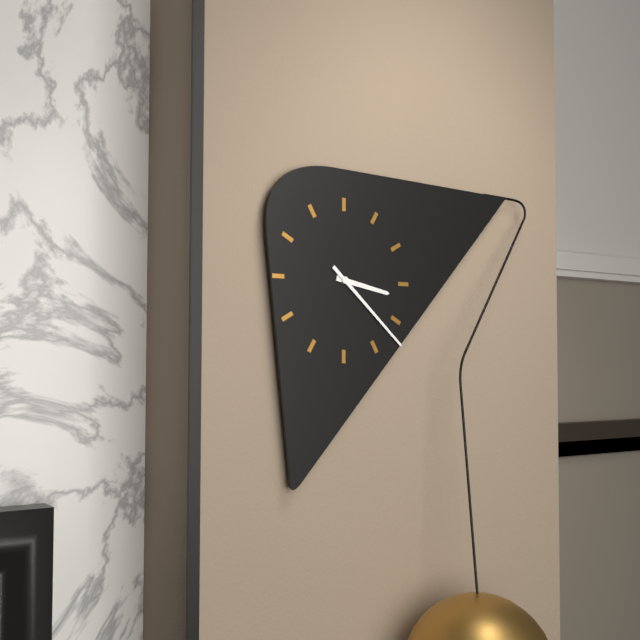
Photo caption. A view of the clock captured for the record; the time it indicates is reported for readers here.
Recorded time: 3:22
